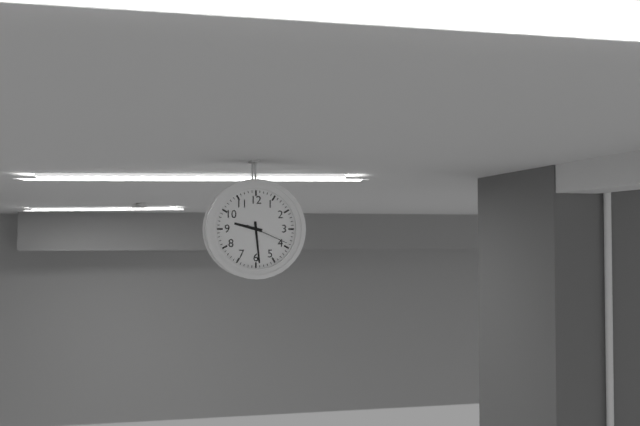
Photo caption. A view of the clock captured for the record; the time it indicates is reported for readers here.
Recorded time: 9:29
